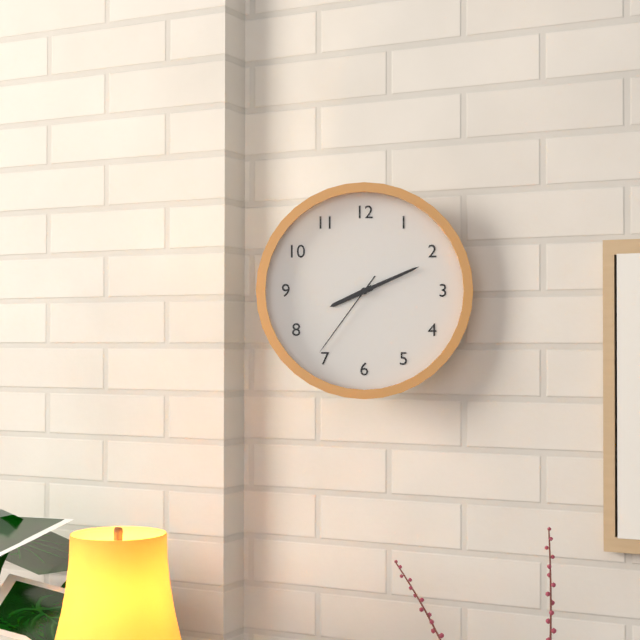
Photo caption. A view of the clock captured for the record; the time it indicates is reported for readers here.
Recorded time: 8:11:36
